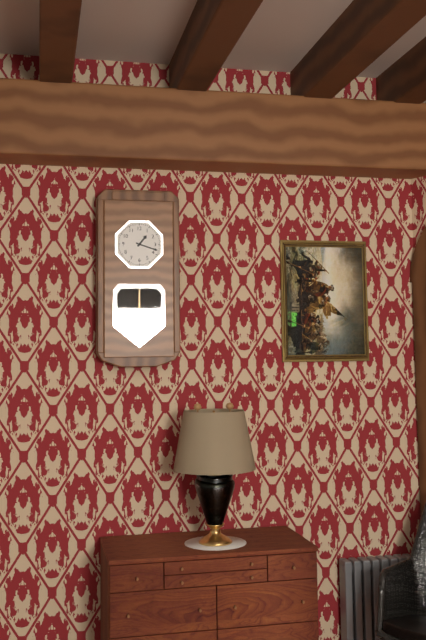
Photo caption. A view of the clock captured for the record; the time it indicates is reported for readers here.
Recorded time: 1:18
